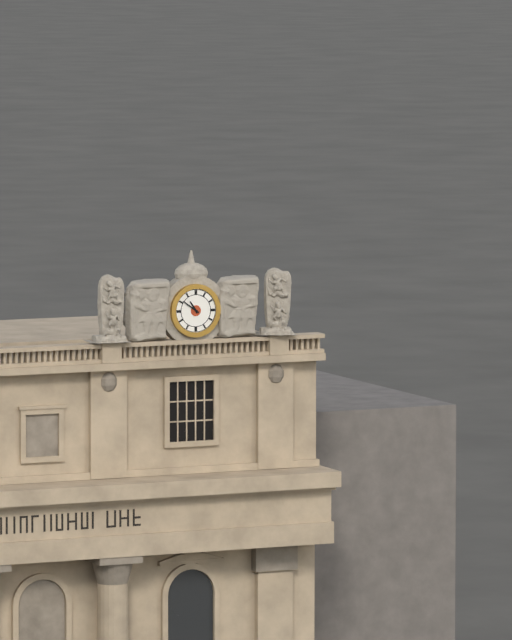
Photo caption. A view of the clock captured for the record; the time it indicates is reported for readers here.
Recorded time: 10:51
